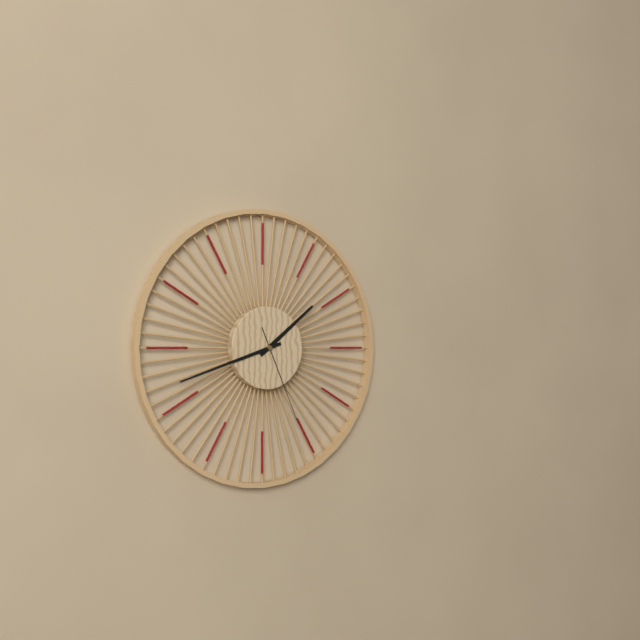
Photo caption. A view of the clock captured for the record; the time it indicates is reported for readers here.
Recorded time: 1:42:26
